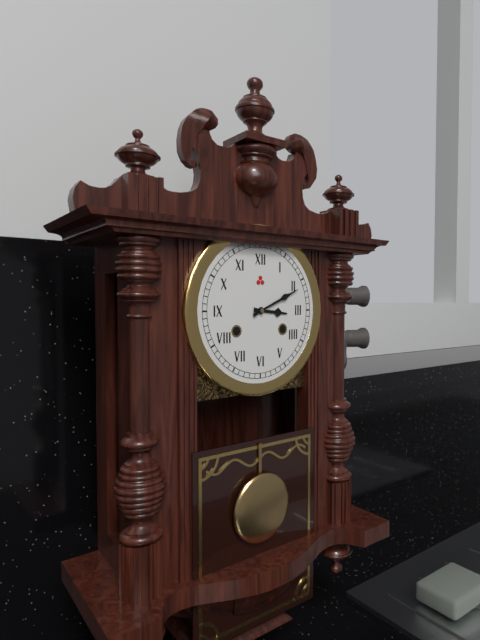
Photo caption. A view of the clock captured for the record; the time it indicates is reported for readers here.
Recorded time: 3:11
